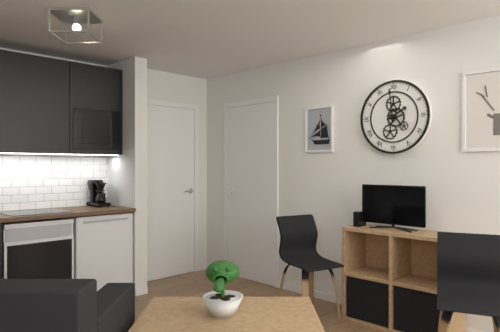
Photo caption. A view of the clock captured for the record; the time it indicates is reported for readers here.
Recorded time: 1:59
